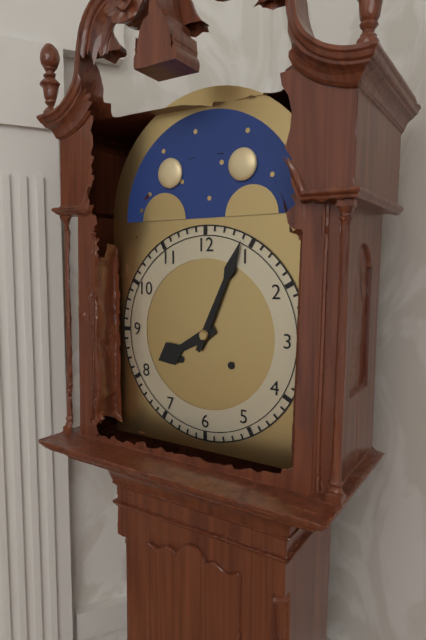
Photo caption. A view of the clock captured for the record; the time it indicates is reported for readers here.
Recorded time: 8:04
